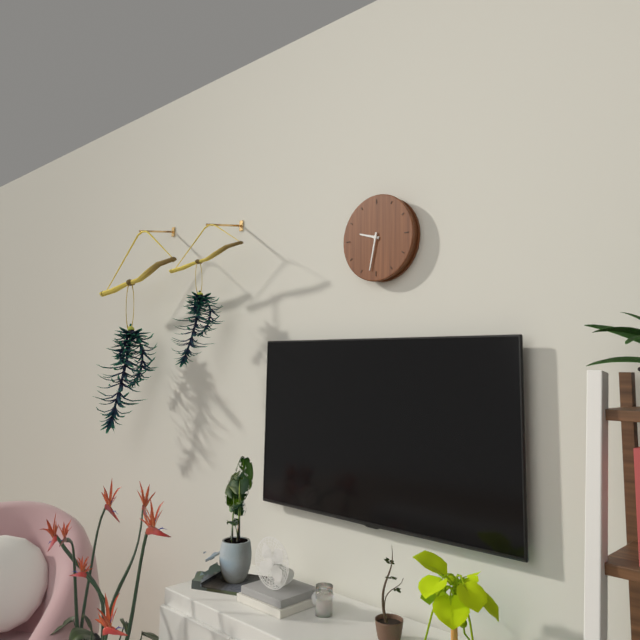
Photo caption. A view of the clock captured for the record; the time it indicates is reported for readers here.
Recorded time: 9:32
